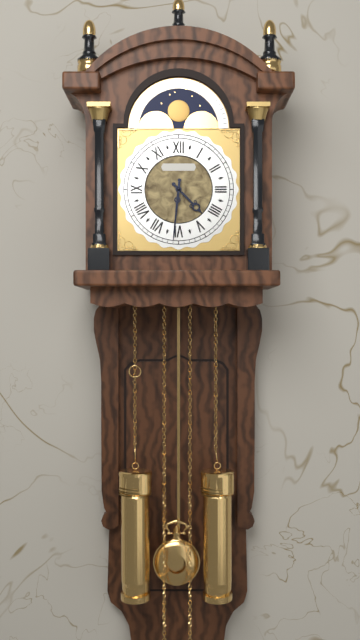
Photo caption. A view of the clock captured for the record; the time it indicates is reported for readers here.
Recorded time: 4:31
